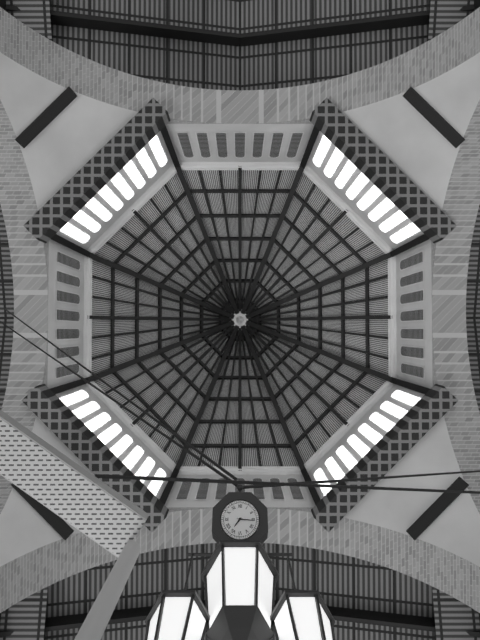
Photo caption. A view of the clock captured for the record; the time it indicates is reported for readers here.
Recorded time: 7:16
